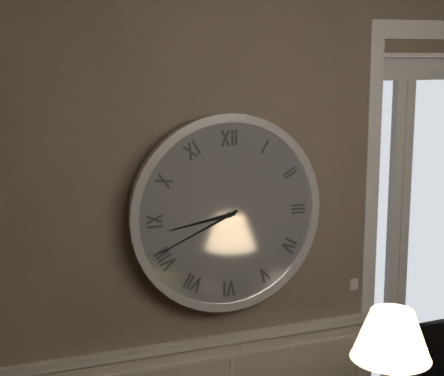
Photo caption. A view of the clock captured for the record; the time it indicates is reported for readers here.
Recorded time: 8:41
